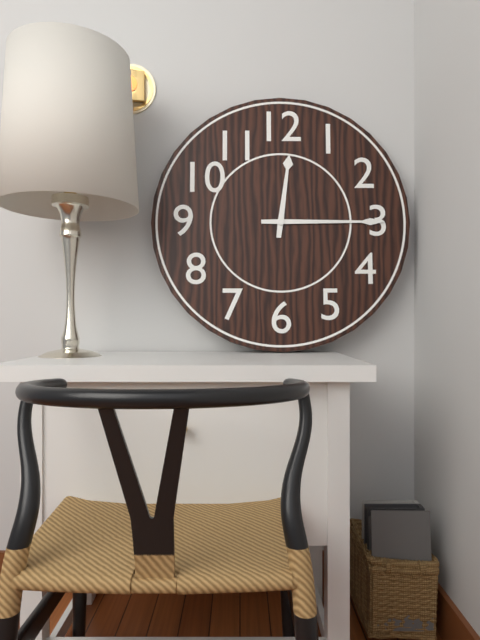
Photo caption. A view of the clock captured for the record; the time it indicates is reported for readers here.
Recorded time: 12:15
